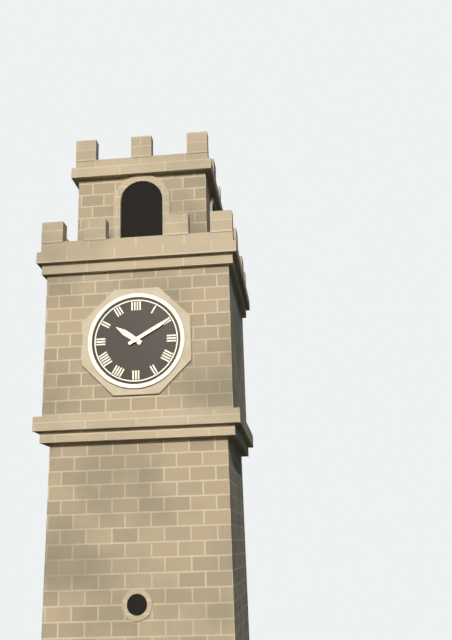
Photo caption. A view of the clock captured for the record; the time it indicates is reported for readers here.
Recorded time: 10:10
